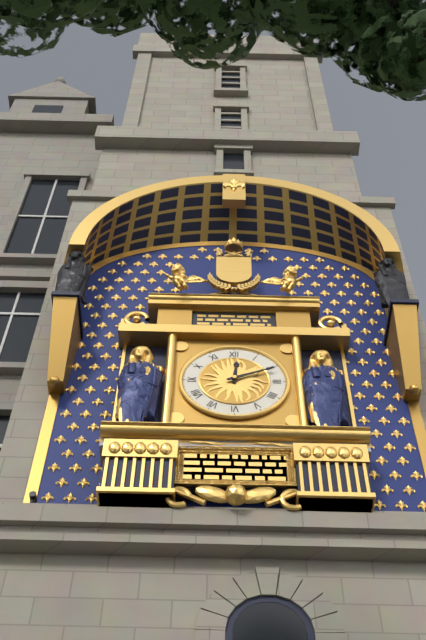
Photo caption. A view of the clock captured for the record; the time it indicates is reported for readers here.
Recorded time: 12:11
